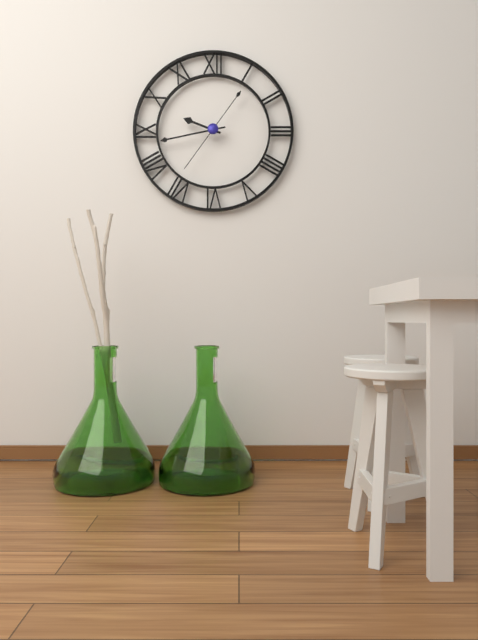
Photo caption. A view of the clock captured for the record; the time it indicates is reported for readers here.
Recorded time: 9:43:36
